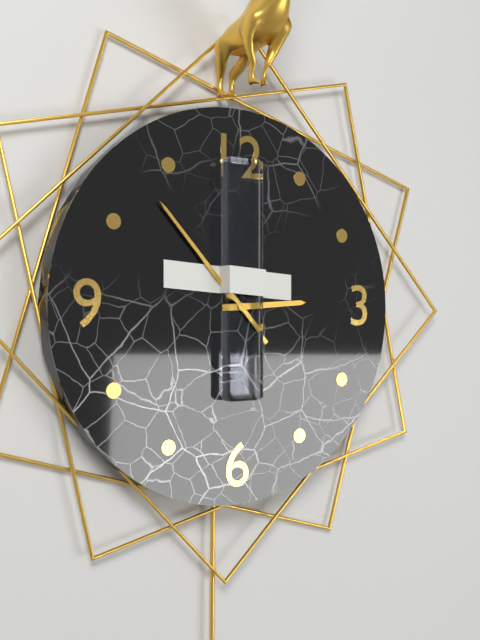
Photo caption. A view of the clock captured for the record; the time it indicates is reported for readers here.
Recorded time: 2:53
